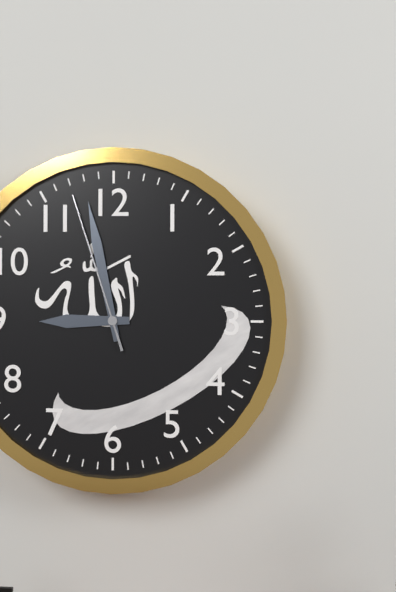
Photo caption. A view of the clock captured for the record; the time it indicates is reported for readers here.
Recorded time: 8:58:57
